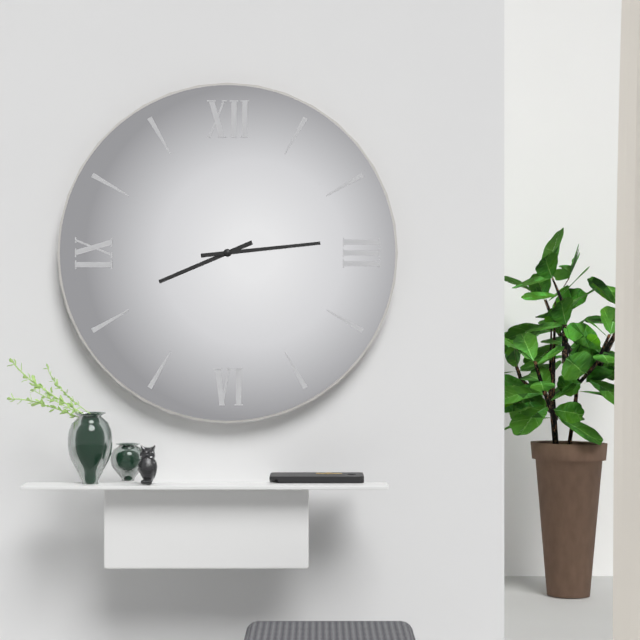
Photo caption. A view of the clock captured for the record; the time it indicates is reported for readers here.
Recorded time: 8:14
